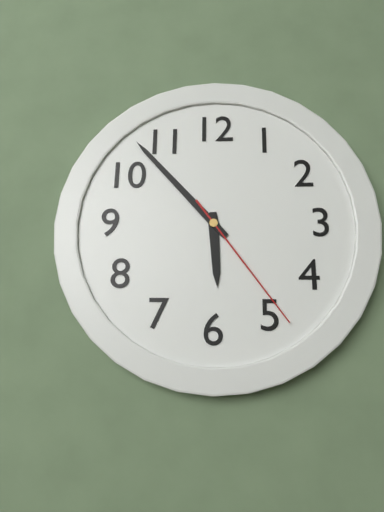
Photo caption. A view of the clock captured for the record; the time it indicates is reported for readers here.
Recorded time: 5:53:24
